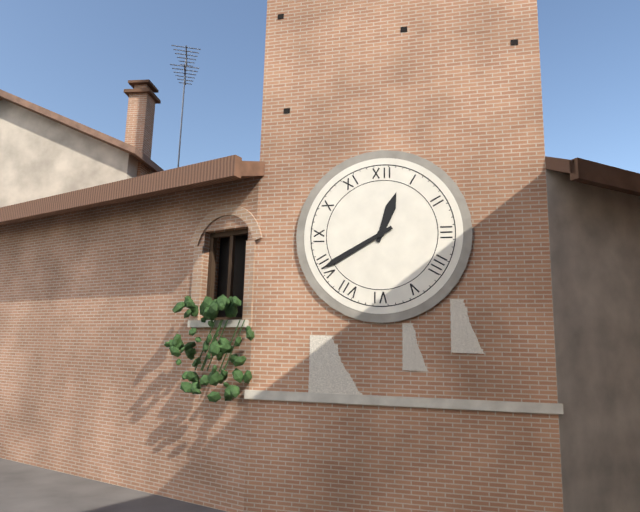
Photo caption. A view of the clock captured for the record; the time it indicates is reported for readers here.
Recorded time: 12:40
